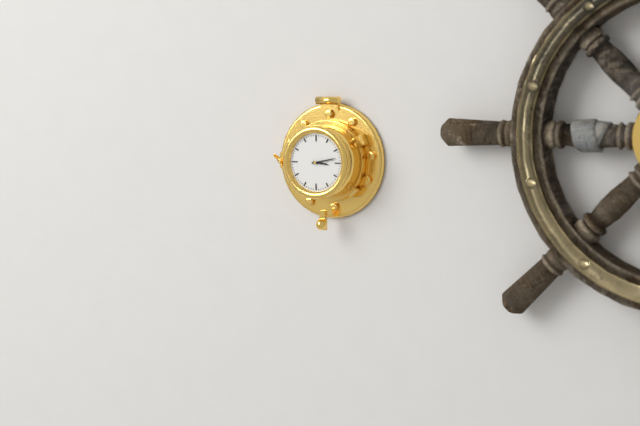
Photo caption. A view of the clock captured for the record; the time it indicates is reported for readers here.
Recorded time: 3:13
